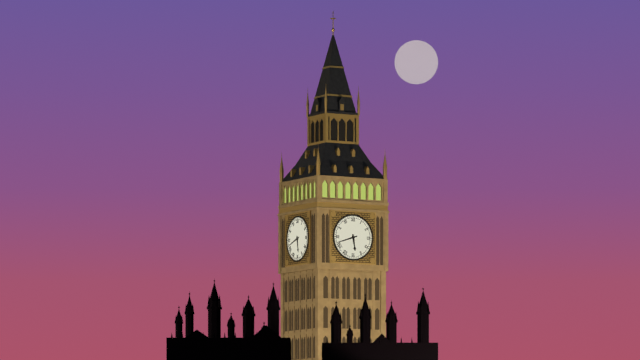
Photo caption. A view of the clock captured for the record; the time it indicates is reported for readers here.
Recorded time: 5:42
